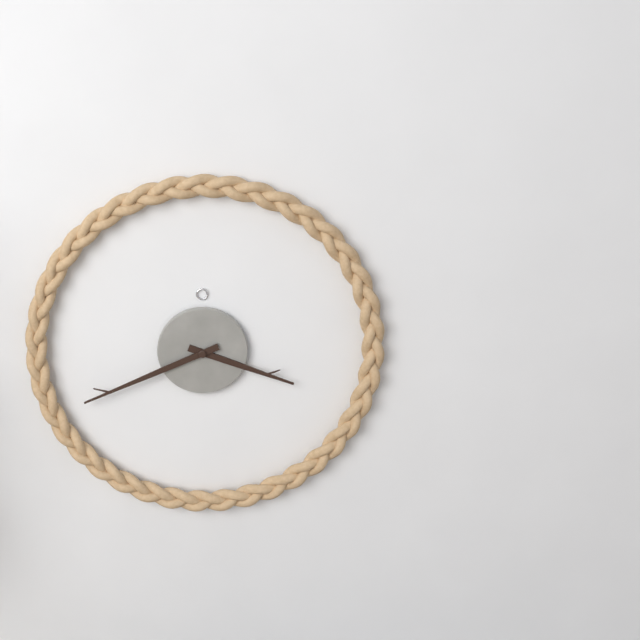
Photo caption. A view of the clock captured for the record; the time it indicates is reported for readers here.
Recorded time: 3:41
